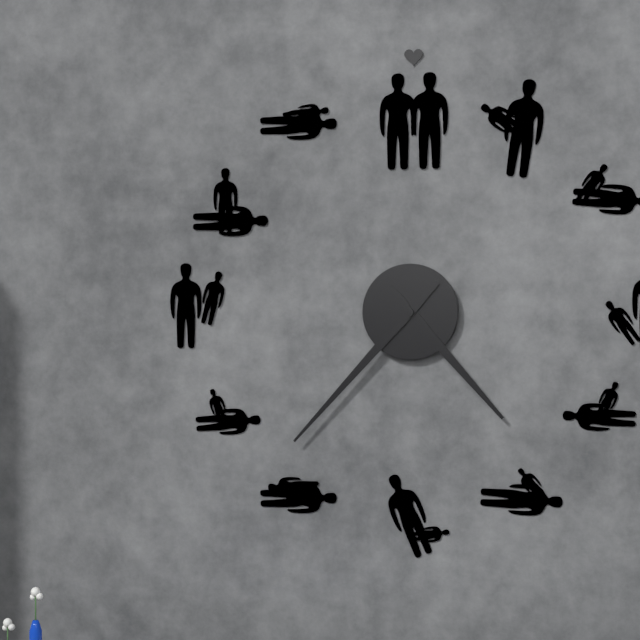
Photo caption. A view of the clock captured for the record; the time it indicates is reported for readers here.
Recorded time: 4:37
